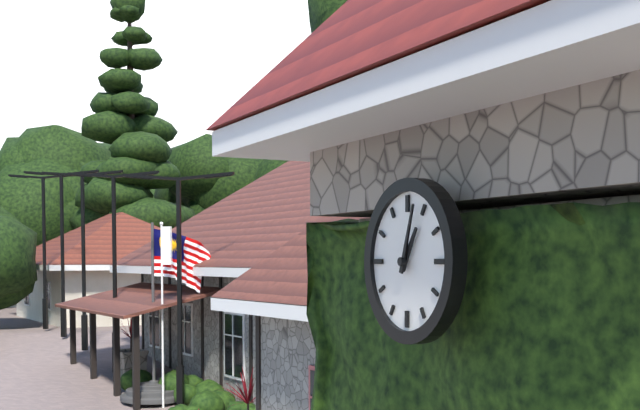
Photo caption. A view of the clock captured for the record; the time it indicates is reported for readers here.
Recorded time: 1:03
